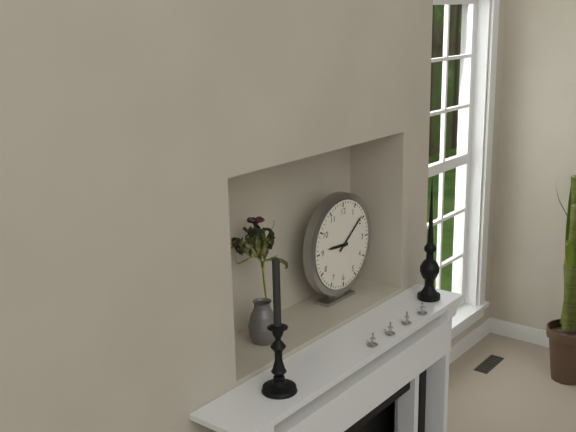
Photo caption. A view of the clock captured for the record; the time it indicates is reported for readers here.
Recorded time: 9:09
